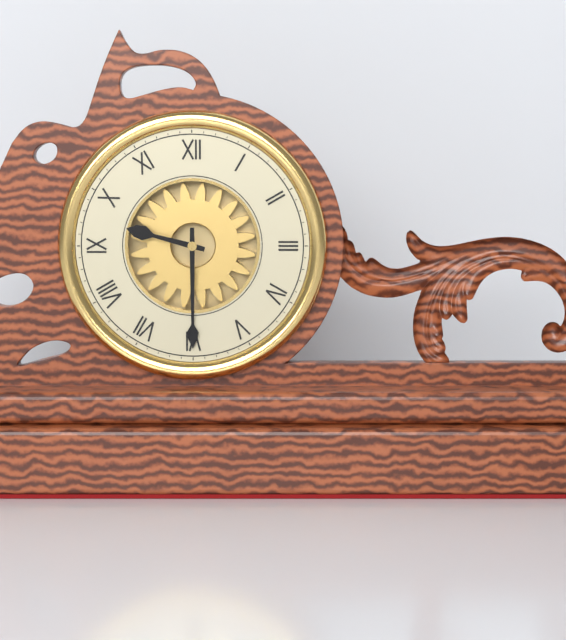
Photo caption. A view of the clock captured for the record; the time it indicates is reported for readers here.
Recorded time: 9:30
